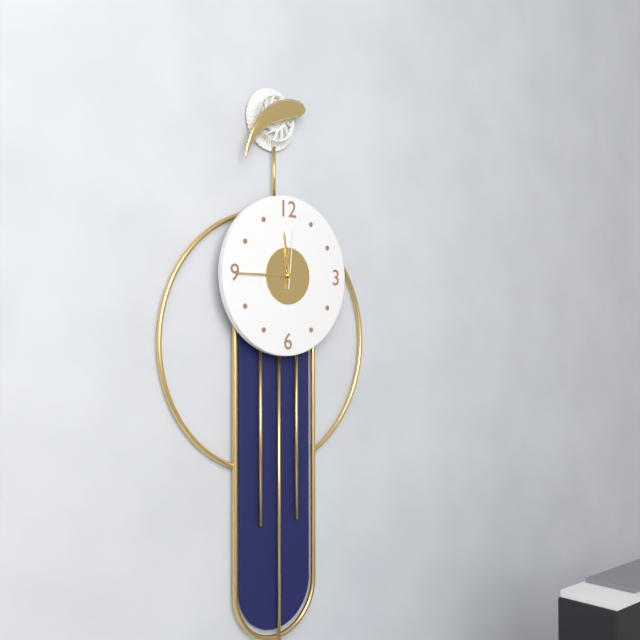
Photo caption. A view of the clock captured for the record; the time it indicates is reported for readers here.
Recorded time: 11:45:01
